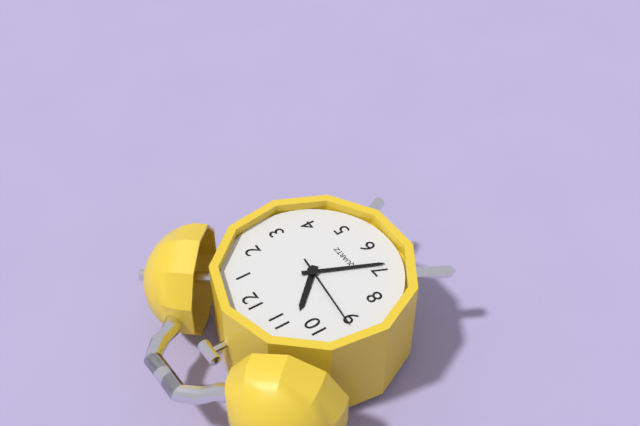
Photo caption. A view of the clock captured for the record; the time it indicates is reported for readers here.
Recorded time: 10:34:46
